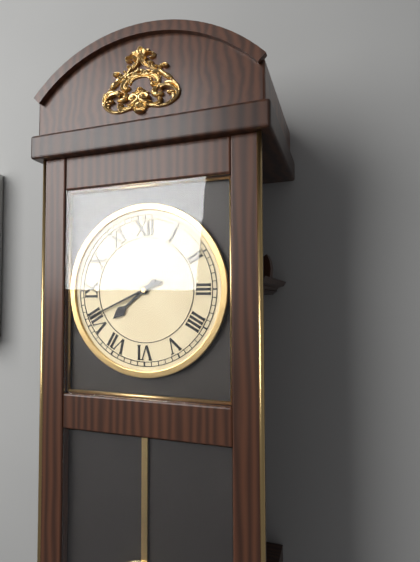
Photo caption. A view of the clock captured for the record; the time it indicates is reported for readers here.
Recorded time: 7:41
